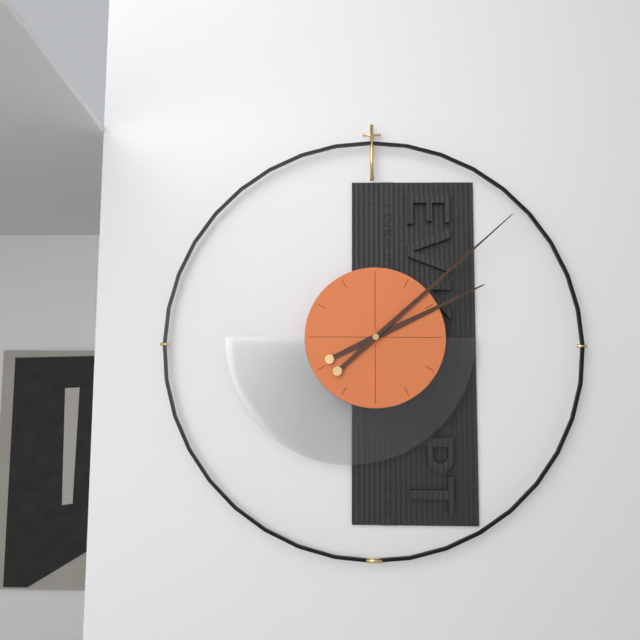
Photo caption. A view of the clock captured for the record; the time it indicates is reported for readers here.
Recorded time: 2:08
